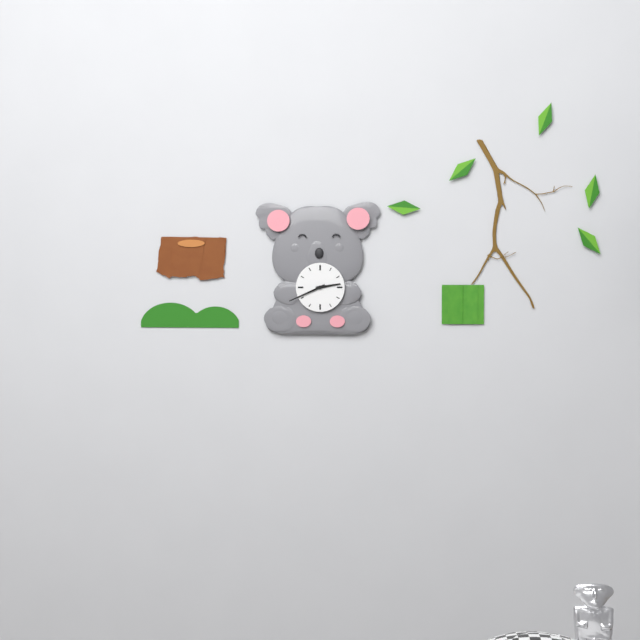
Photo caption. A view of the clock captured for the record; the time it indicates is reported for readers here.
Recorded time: 2:41
